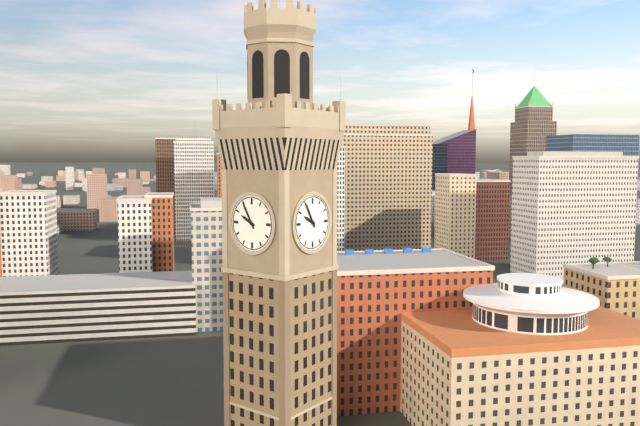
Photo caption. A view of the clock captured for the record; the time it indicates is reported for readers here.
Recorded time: 9:55
